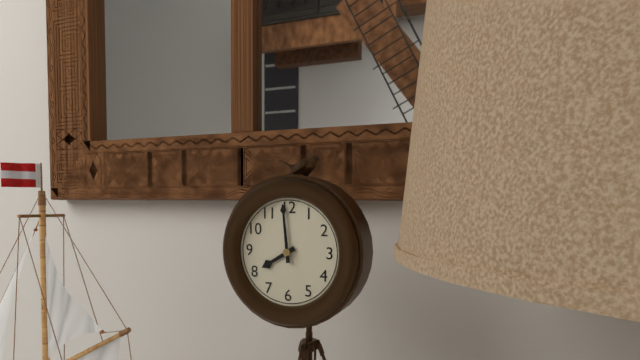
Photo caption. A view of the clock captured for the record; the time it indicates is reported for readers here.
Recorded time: 7:59
